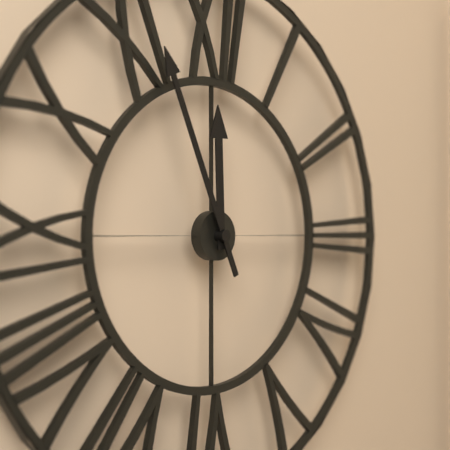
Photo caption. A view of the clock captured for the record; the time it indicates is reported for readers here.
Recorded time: 11:56
